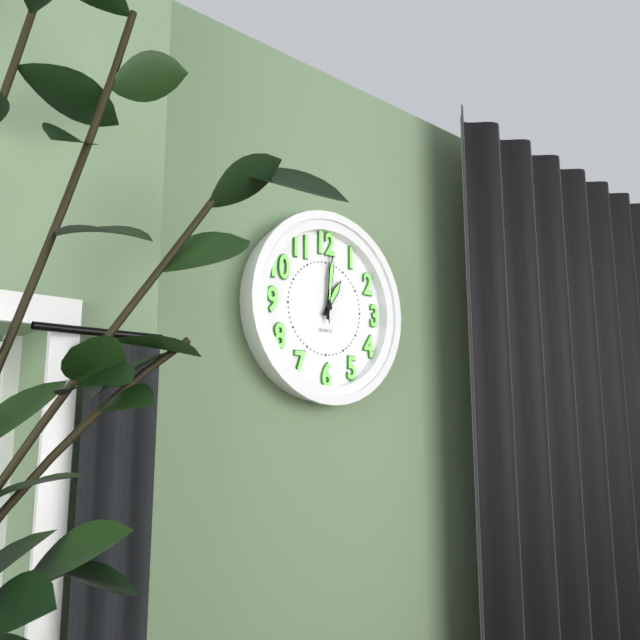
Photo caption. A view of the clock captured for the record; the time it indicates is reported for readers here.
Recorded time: 1:01:00
